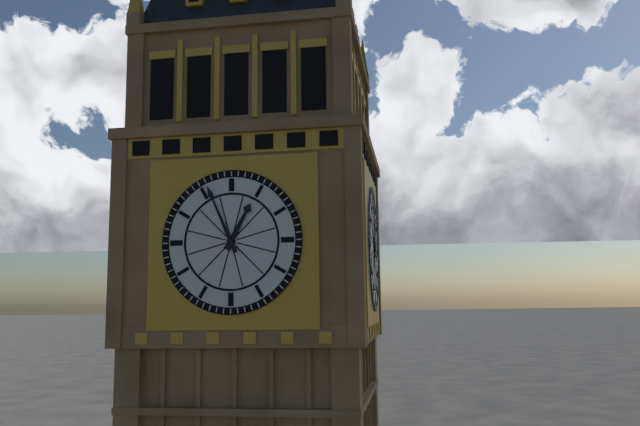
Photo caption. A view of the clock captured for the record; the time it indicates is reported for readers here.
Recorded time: 12:56
